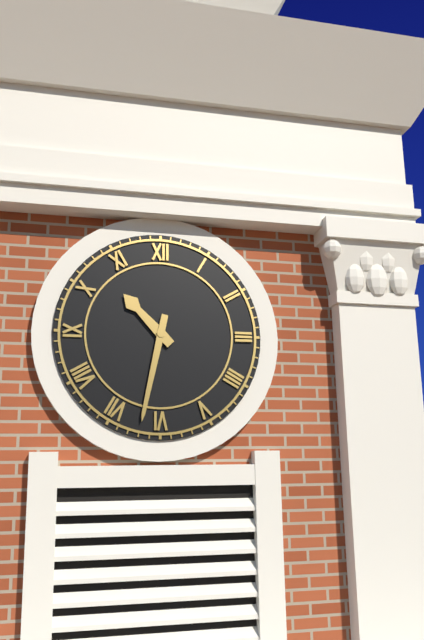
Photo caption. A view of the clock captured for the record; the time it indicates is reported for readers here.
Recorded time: 10:32
